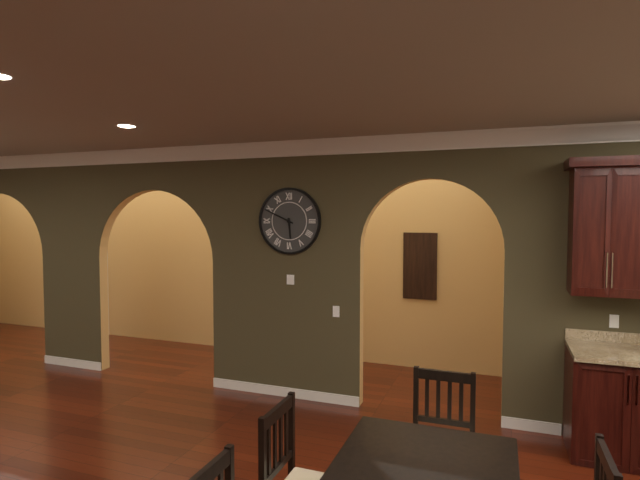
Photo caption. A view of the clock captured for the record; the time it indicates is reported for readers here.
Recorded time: 5:49
